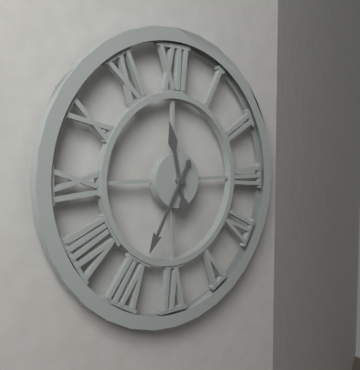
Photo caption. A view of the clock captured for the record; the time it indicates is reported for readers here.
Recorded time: 11:35
